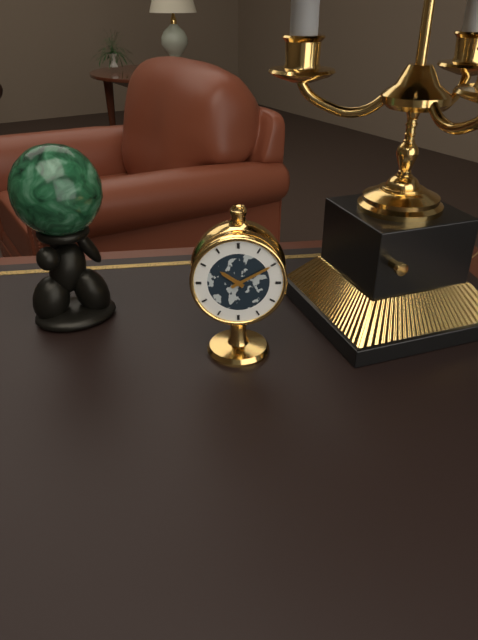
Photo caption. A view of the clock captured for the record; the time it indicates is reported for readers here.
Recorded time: 10:10
